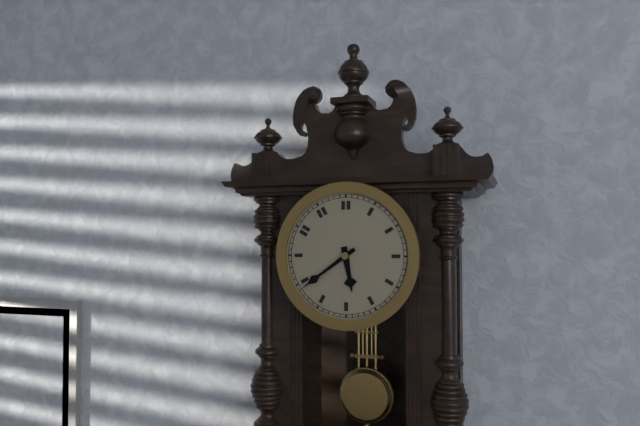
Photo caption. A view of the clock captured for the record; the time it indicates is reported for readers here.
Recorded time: 5:39
